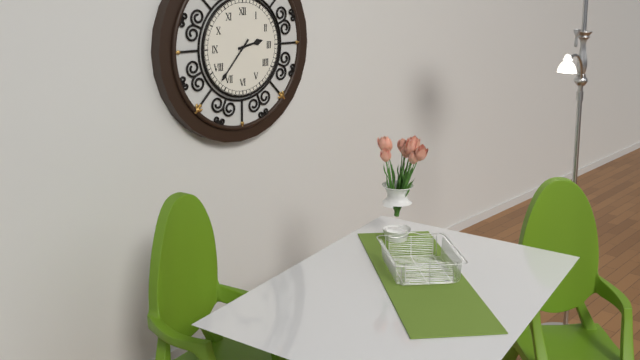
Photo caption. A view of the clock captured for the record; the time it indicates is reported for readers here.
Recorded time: 2:37
